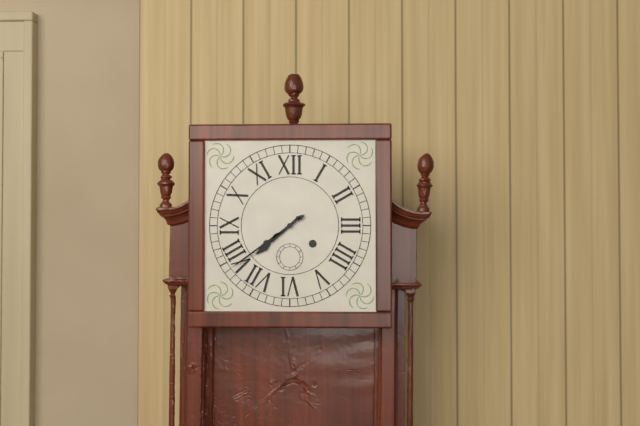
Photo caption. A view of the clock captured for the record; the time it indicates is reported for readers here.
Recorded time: 7:39
